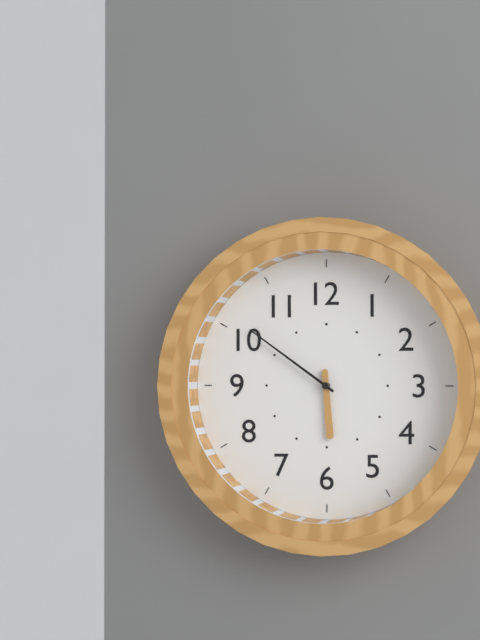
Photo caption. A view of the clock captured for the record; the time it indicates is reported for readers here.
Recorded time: 5:51
